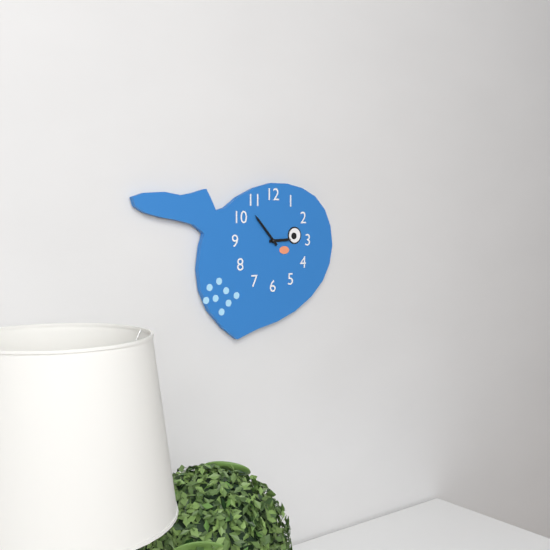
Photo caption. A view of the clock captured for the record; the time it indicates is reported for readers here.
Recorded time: 2:53
